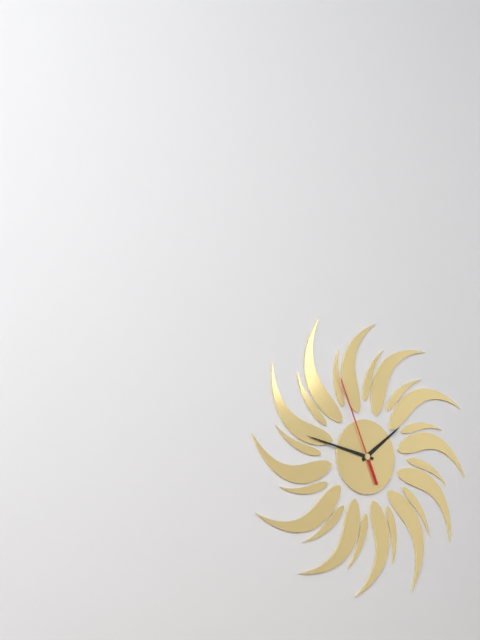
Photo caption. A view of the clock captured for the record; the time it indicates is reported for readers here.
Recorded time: 1:47:56
